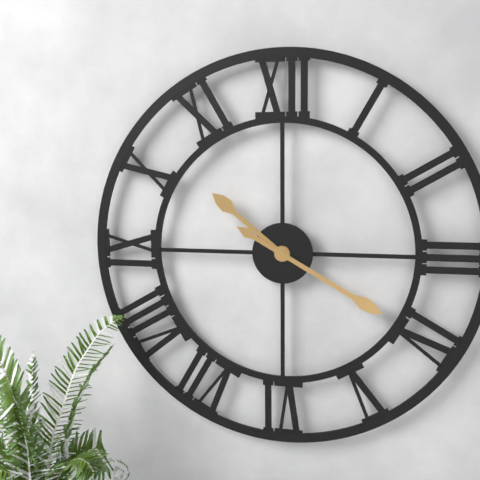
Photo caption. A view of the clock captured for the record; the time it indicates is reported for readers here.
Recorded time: 10:20
